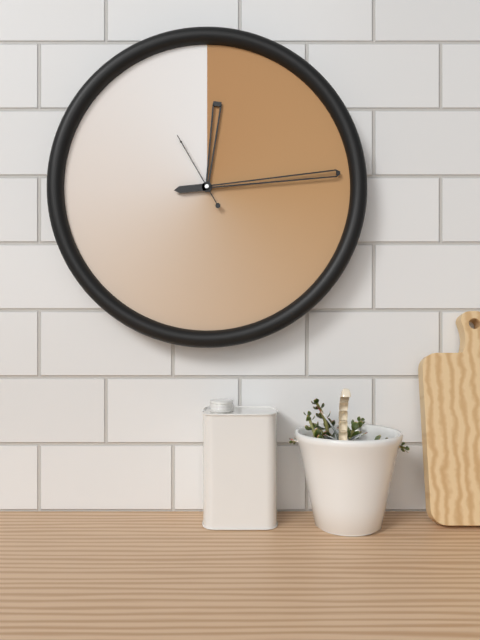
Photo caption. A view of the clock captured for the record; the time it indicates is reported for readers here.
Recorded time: 12:14:55
